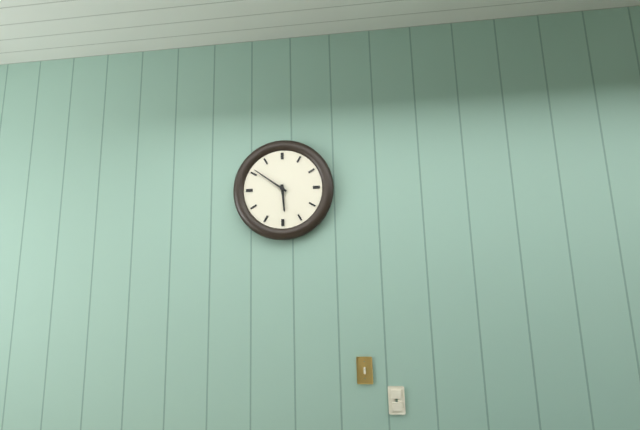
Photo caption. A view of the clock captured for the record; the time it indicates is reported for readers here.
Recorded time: 5:51
